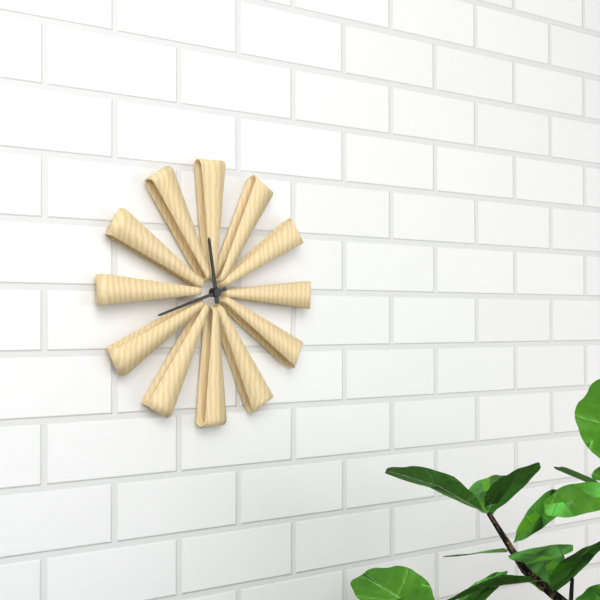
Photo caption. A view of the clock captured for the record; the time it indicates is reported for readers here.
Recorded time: 11:42
